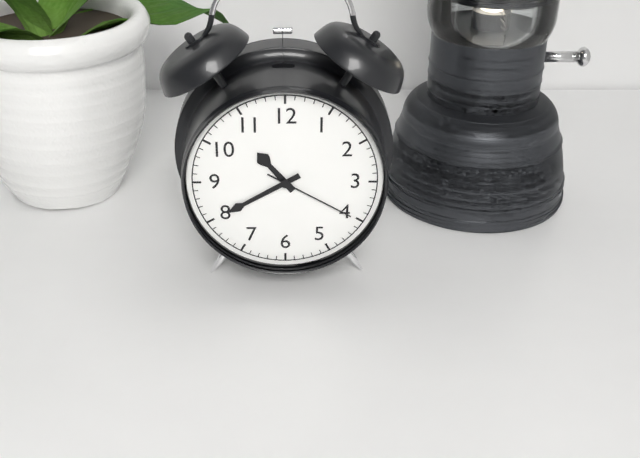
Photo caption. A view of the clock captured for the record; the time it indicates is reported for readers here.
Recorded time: 10:40:20
